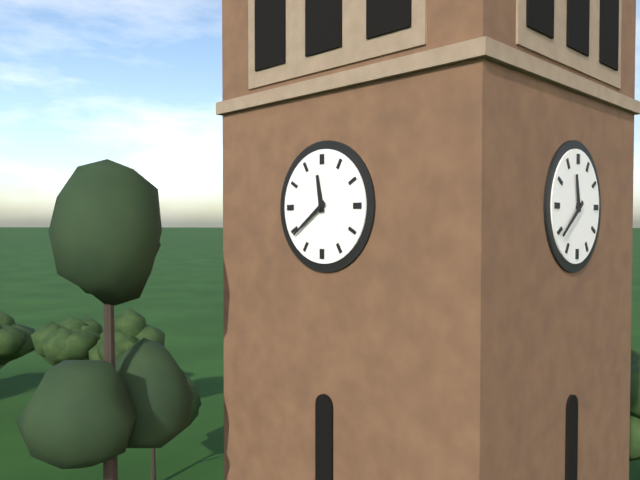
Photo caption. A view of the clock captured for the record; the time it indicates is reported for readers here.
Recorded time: 11:39
